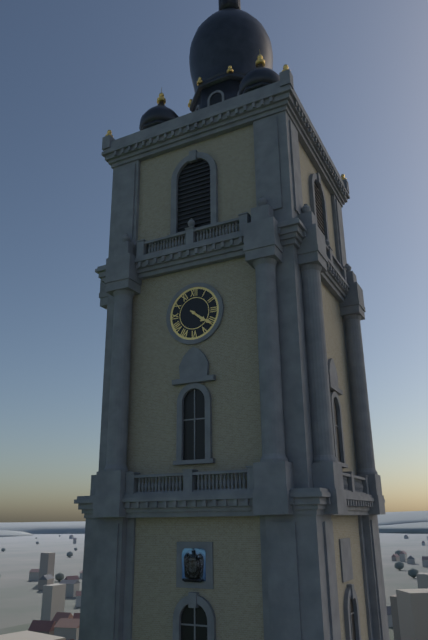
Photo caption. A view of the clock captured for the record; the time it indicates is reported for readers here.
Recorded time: 4:21
